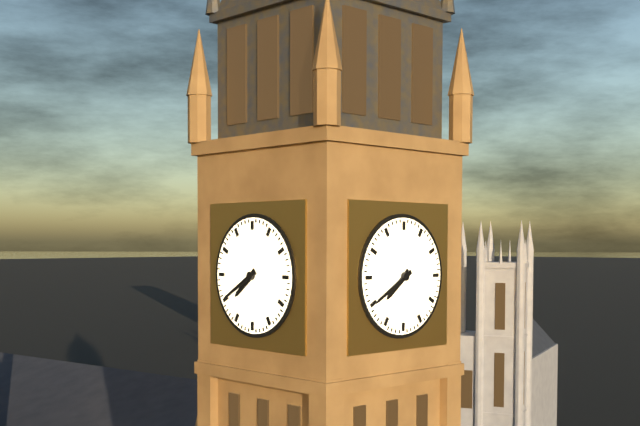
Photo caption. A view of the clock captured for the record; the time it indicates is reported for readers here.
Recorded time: 7:40
